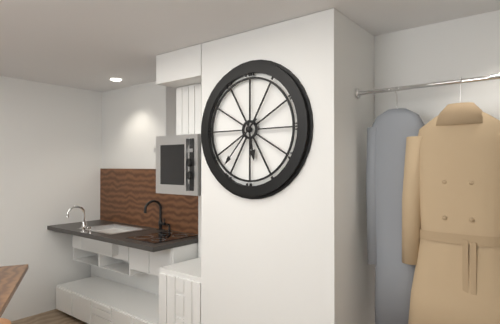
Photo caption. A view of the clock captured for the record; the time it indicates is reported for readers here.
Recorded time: 5:37
